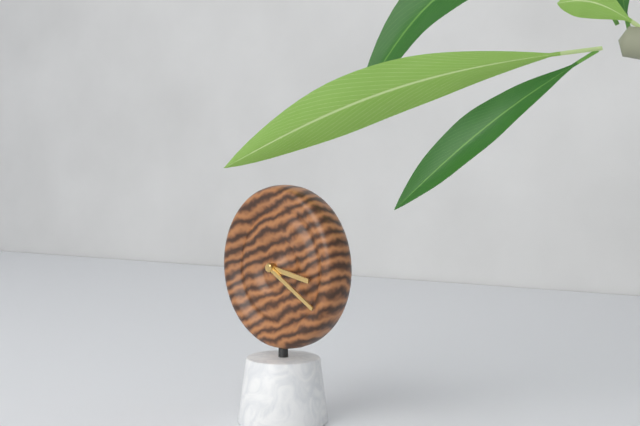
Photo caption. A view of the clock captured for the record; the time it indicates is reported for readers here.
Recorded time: 3:20
